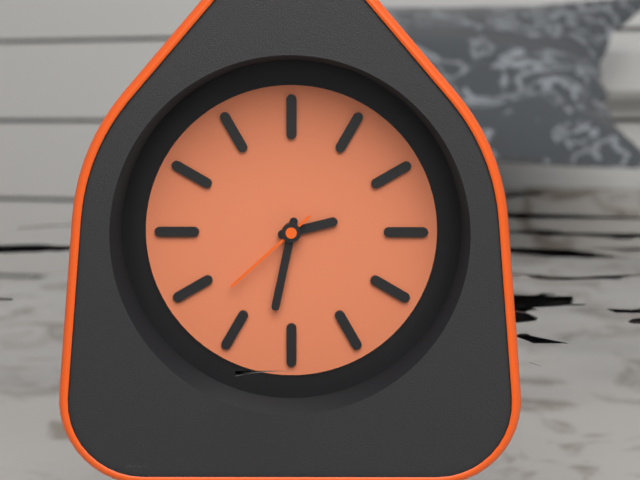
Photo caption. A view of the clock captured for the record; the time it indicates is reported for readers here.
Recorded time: 2:32:38
